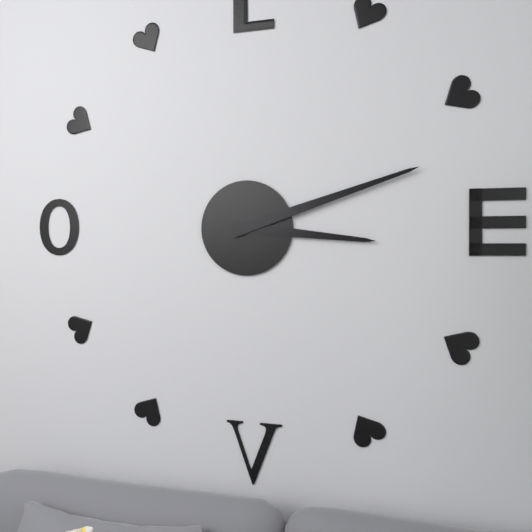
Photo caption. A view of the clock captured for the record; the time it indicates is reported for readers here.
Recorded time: 3:12
